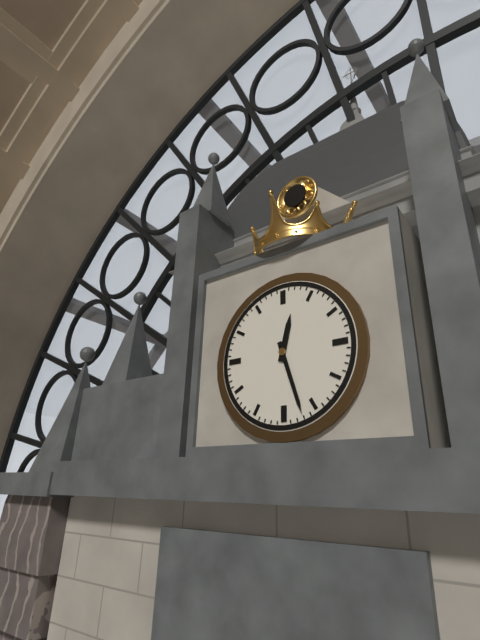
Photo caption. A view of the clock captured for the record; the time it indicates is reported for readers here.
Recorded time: 12:27
